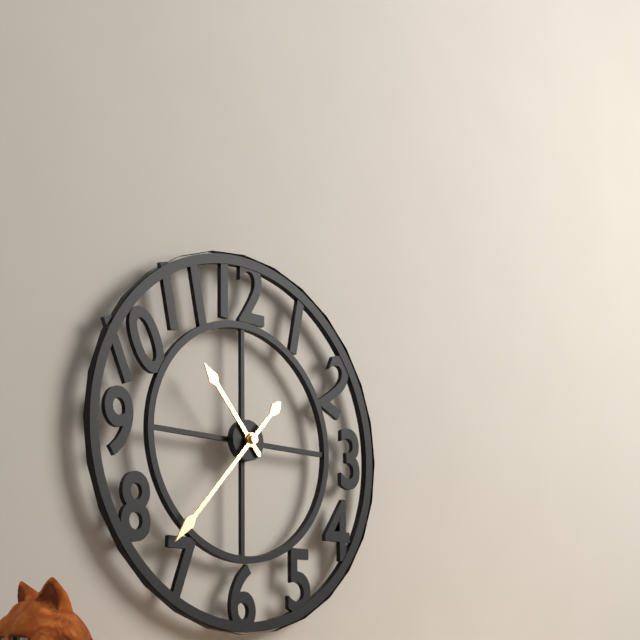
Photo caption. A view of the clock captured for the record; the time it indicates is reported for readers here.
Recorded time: 10:37
